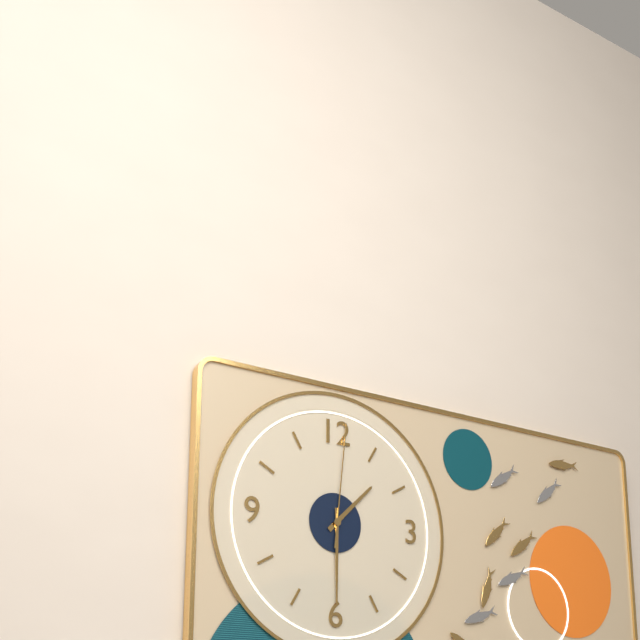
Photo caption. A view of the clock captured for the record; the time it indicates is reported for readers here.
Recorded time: 1:30:01
